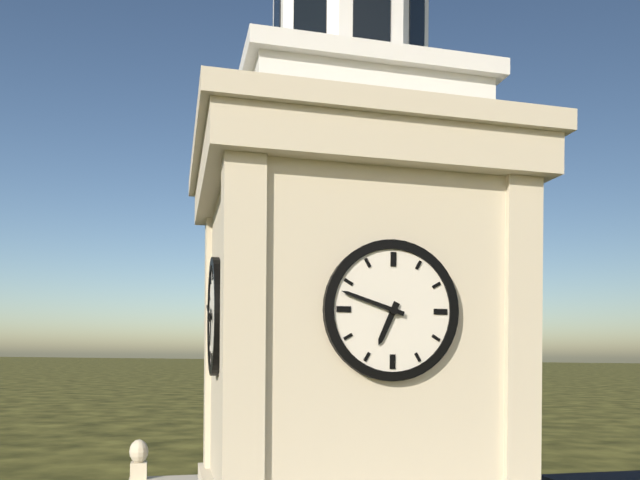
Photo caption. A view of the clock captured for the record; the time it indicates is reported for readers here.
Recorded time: 6:48
